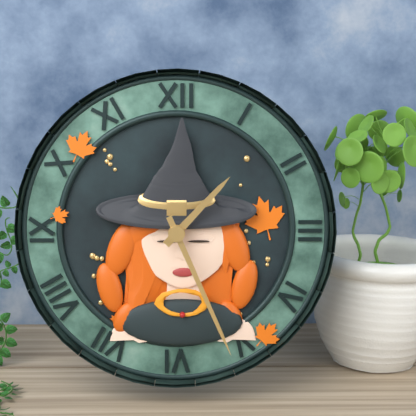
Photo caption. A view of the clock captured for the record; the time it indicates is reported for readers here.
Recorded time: 1:26
